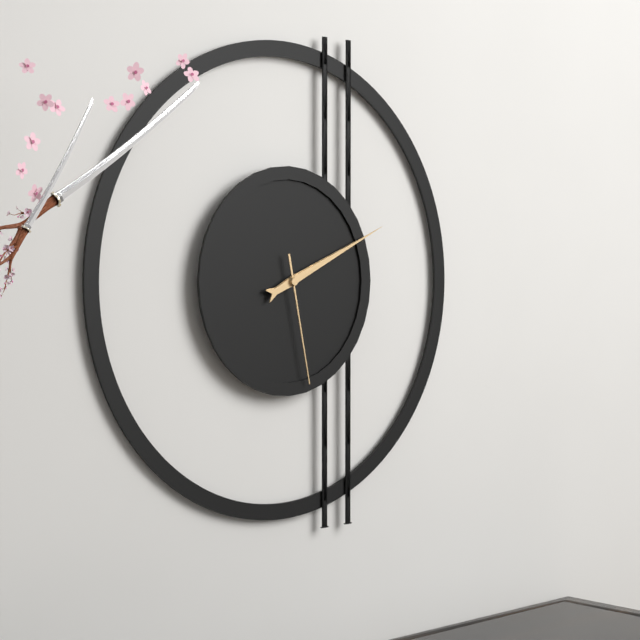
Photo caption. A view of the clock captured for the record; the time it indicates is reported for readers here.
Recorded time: 2:11:28
